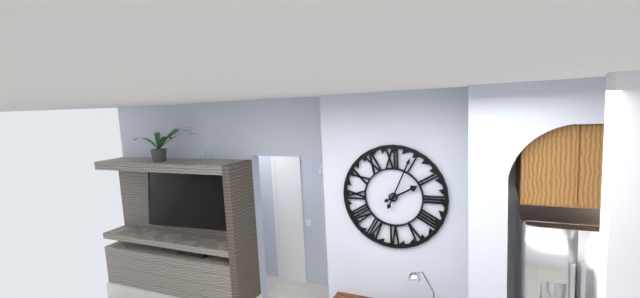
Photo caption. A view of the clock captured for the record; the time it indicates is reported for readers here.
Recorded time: 2:04
